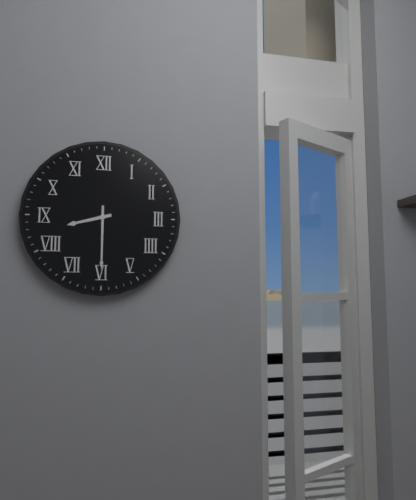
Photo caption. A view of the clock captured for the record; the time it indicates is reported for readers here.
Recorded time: 8:30
